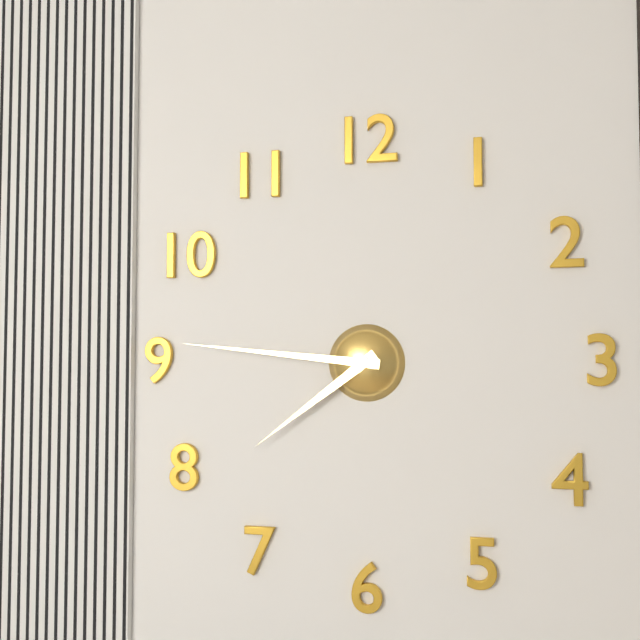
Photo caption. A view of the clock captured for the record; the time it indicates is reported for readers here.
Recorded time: 7:46
